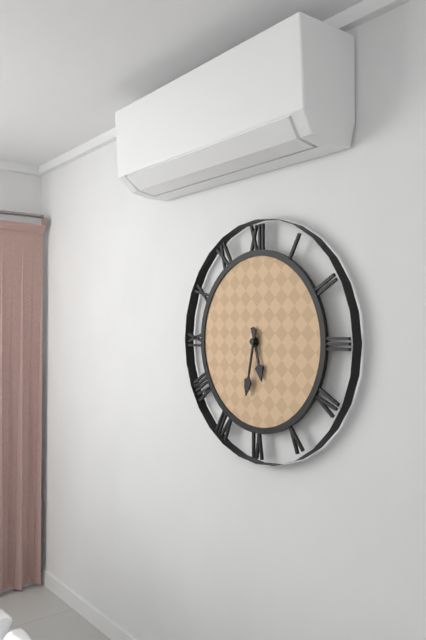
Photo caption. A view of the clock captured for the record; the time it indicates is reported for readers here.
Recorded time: 5:32
